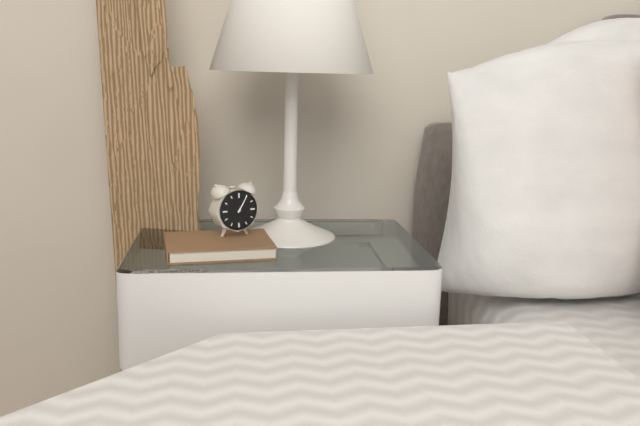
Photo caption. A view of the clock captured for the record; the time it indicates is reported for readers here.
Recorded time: 1:05
